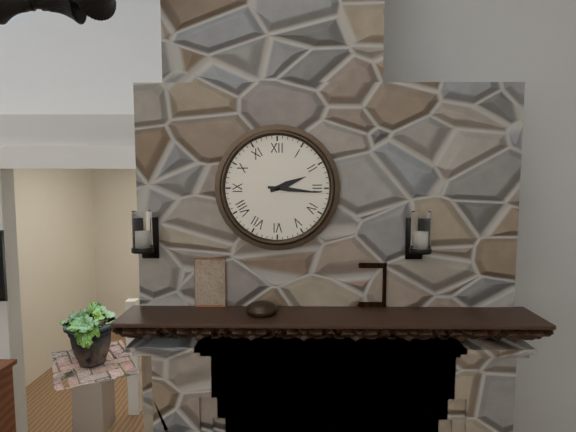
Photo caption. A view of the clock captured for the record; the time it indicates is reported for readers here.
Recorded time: 2:16
